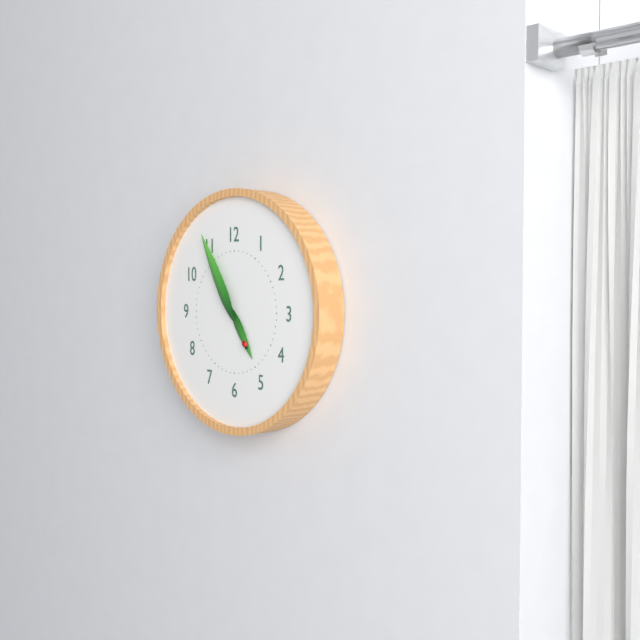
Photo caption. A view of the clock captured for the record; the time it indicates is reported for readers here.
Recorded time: 4:55
